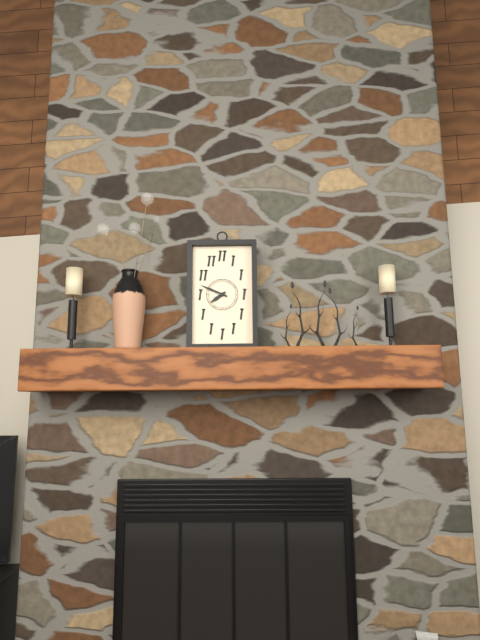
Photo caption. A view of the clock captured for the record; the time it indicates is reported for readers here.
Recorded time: 7:49
